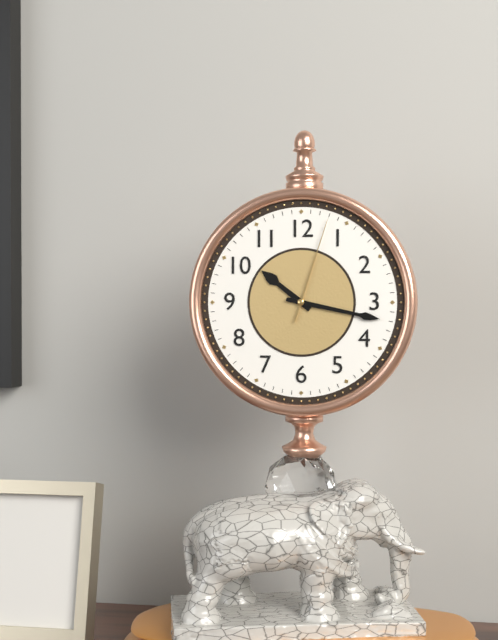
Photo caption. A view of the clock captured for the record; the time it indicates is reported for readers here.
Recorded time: 10:17:03
